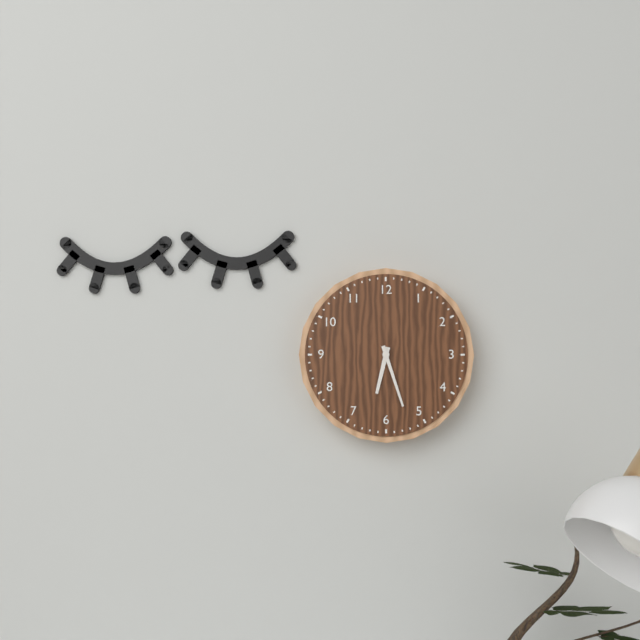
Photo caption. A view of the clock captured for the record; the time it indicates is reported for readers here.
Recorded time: 6:27
